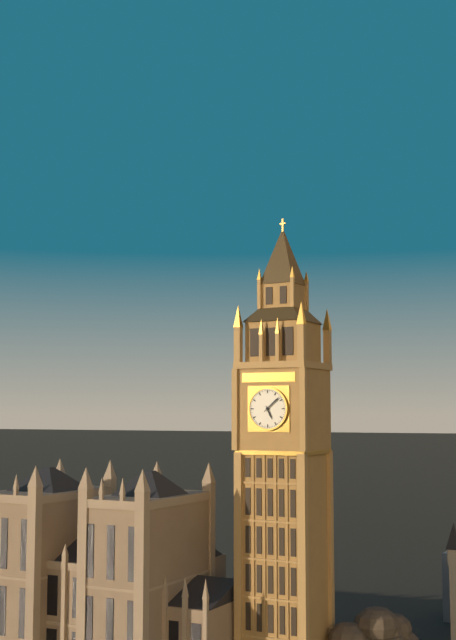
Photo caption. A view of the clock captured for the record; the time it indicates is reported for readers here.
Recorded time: 5:08
